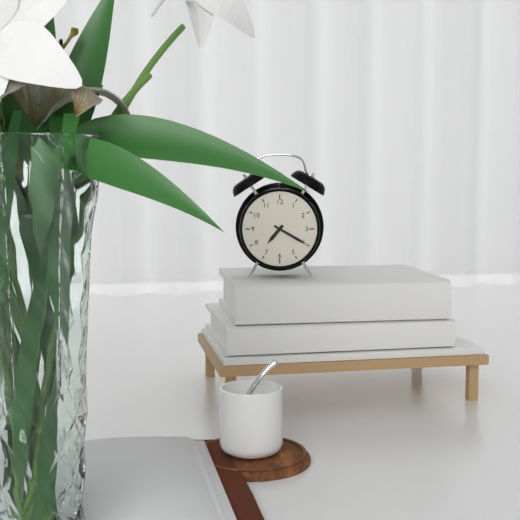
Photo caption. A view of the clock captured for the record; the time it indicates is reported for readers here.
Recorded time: 7:20
